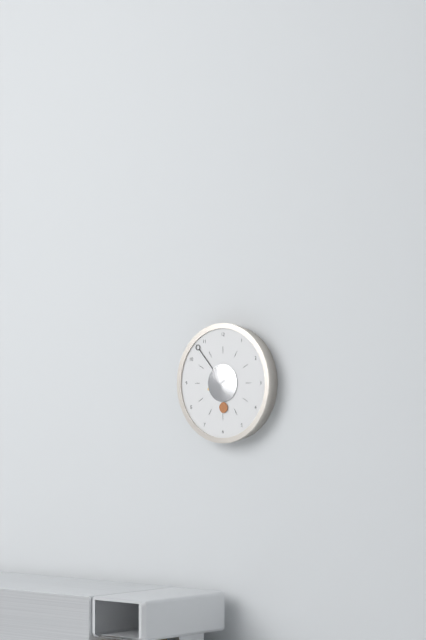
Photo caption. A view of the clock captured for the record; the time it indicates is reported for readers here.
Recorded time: 5:53
